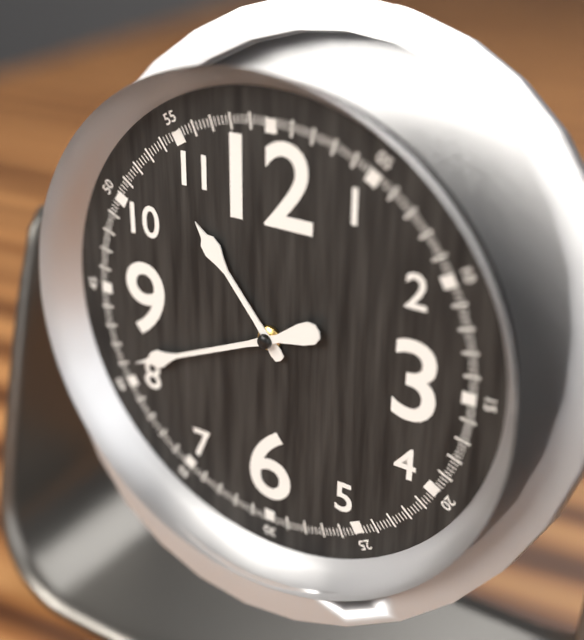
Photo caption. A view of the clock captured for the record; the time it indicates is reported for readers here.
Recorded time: 10:41
